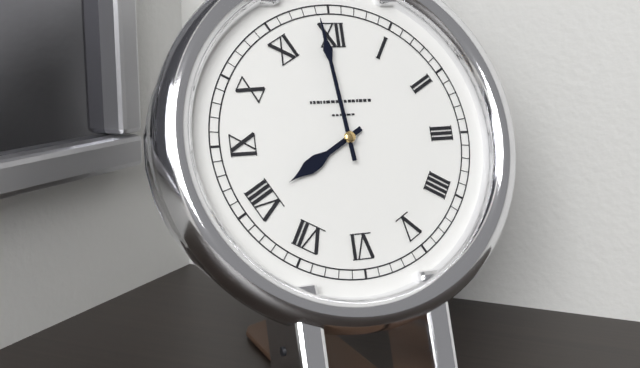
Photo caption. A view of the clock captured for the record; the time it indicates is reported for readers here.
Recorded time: 7:59
